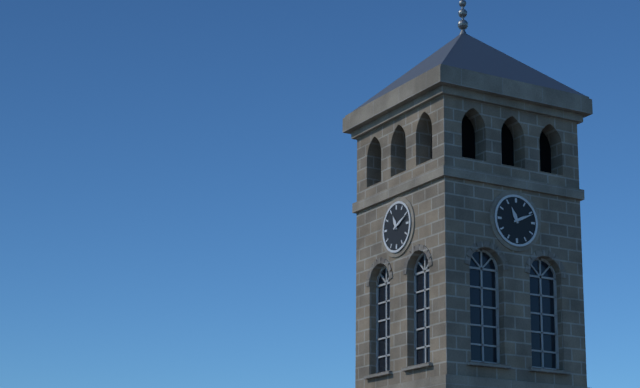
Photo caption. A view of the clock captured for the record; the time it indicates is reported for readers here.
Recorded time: 11:11
